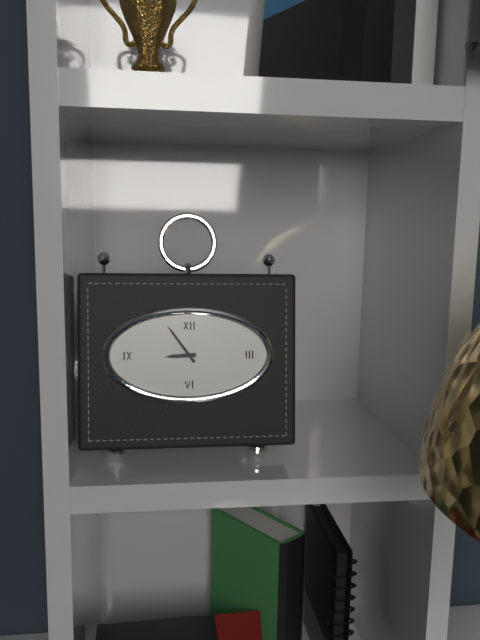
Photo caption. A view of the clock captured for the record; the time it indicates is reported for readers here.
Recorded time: 8:54
